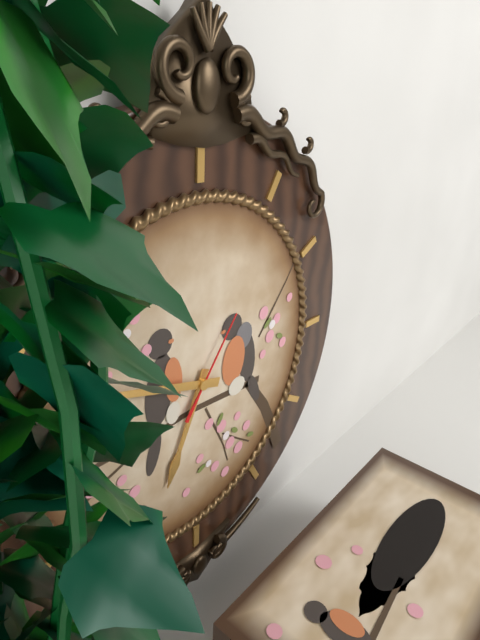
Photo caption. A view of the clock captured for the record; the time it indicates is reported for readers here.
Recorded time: 6:48:06
